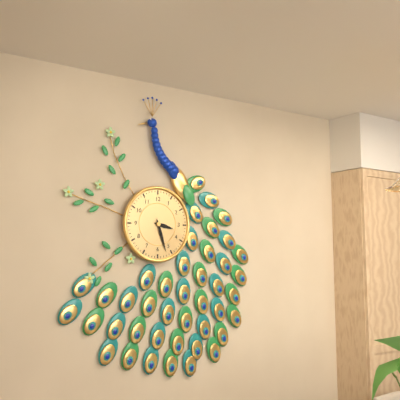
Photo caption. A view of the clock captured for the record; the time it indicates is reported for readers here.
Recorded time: 3:27
